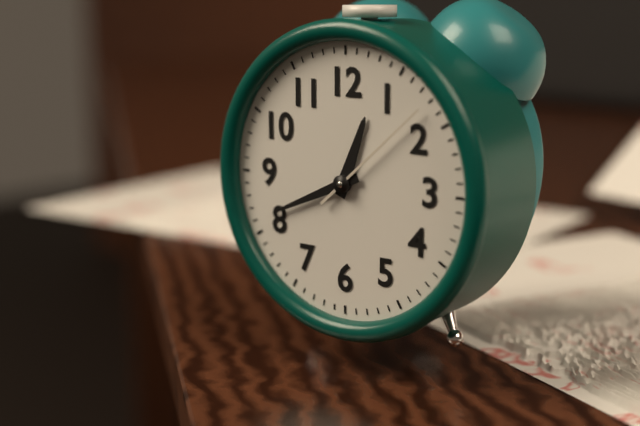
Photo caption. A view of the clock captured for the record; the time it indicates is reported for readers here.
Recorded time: 12:41:08
